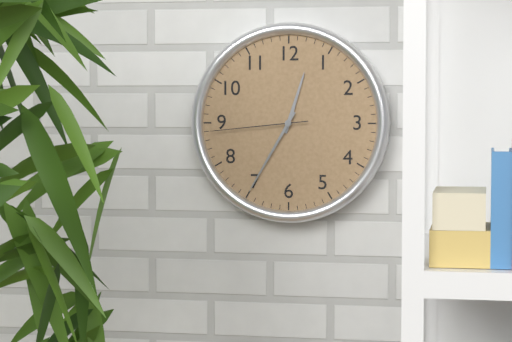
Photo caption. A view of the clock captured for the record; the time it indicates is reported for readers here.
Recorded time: 12:35:44
